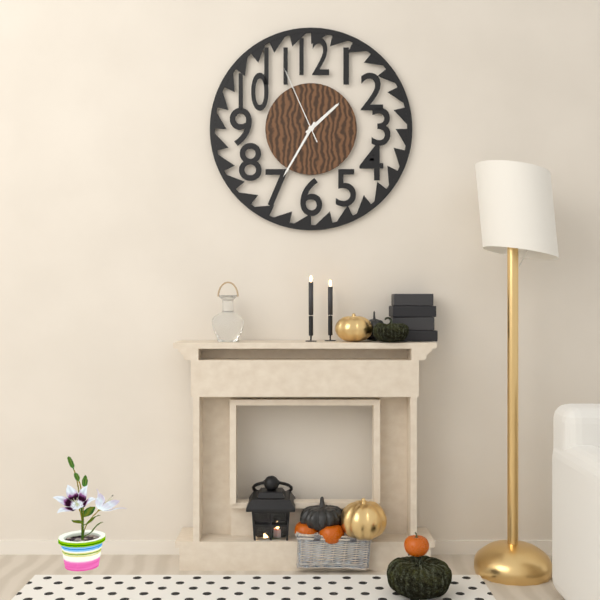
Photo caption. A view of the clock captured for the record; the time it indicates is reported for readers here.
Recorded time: 1:35:56
